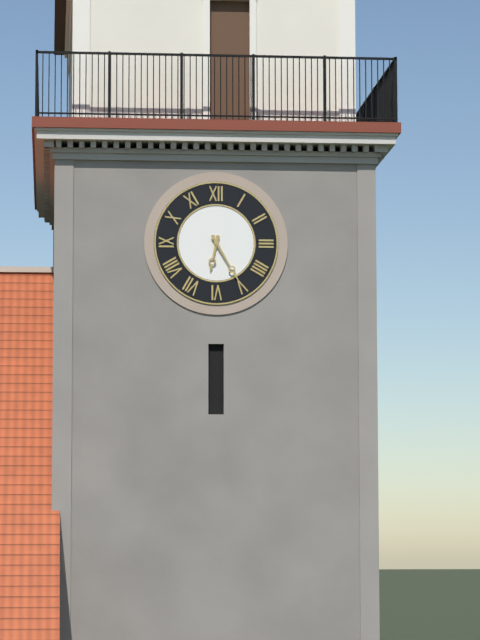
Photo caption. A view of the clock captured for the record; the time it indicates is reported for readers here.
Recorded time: 6:25
